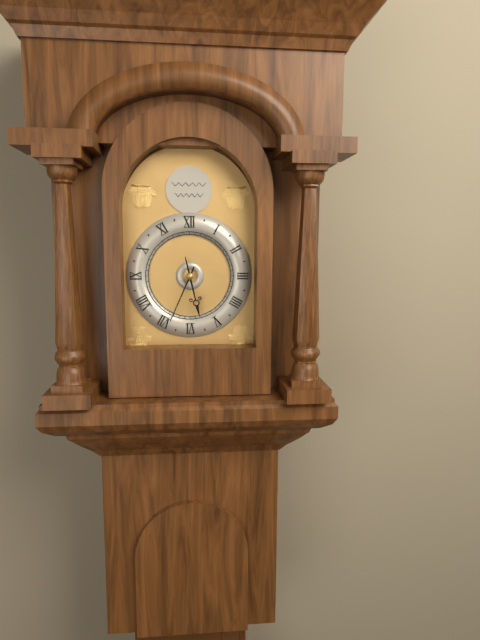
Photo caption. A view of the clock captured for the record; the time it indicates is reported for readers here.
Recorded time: 5:34
